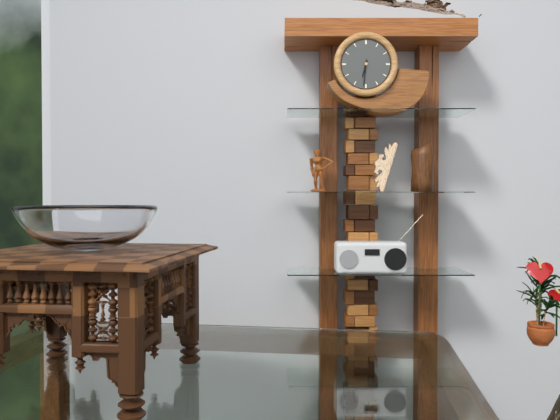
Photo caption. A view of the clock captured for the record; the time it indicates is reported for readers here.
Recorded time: 6:31
